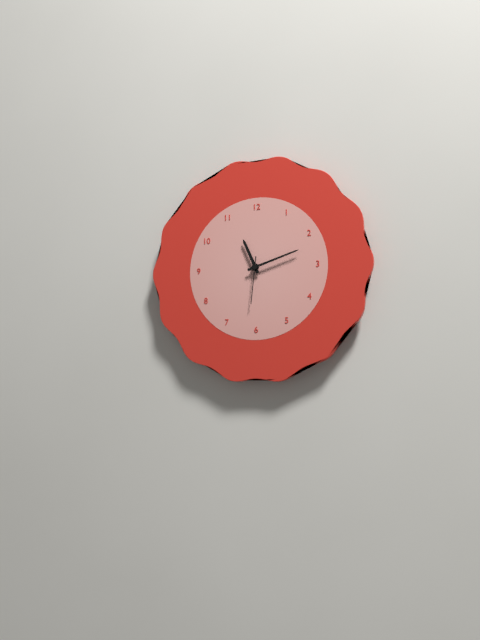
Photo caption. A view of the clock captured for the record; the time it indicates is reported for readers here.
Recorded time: 11:12
